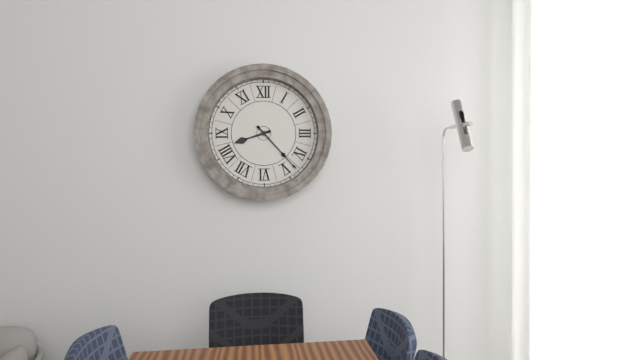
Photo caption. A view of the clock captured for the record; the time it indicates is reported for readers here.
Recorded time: 8:23
